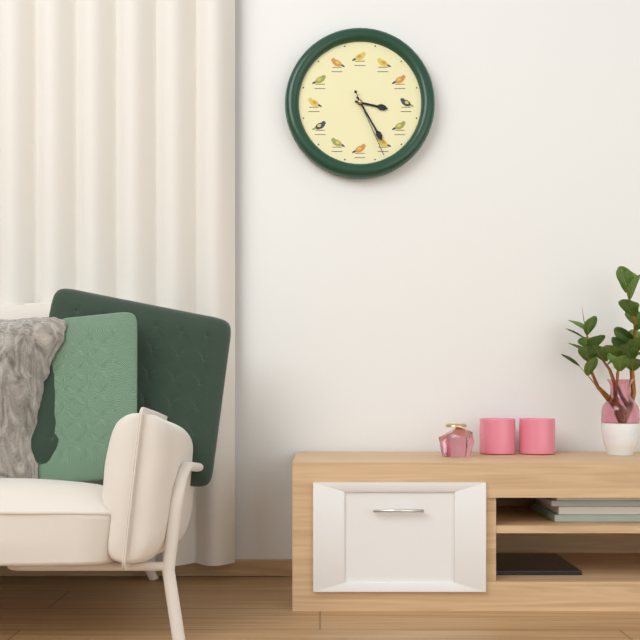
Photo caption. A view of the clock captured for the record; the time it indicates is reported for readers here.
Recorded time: 3:25:26
